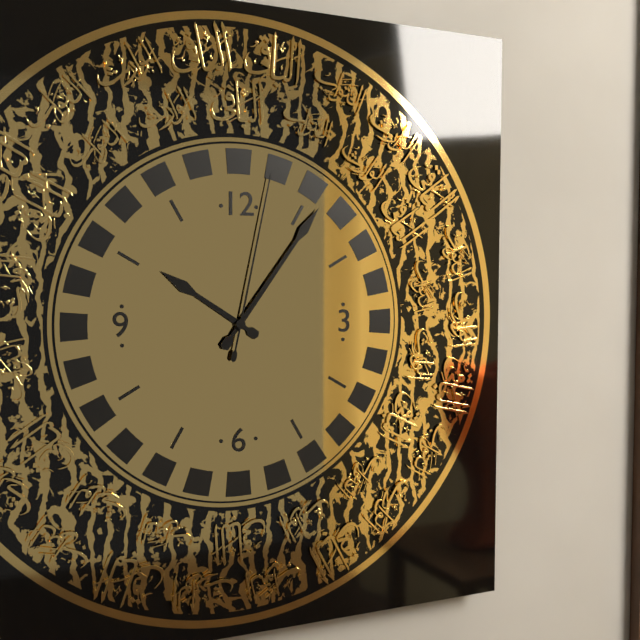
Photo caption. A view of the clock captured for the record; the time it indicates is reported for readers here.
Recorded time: 10:06:02
